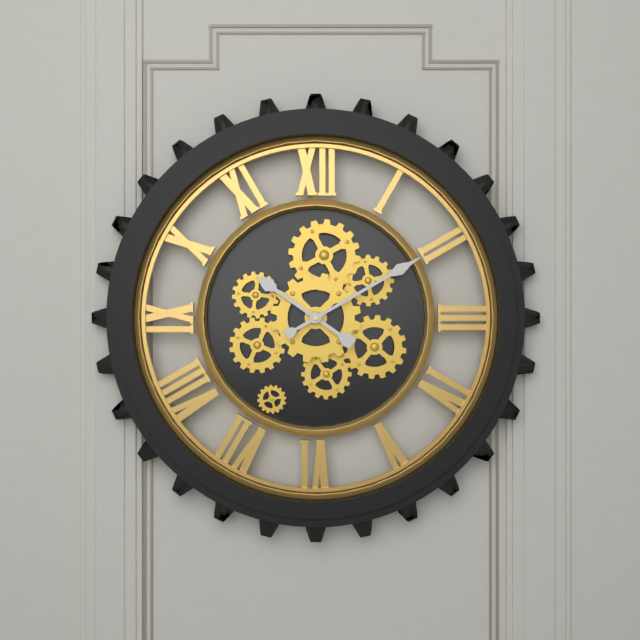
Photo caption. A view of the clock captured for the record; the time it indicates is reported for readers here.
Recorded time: 10:10
